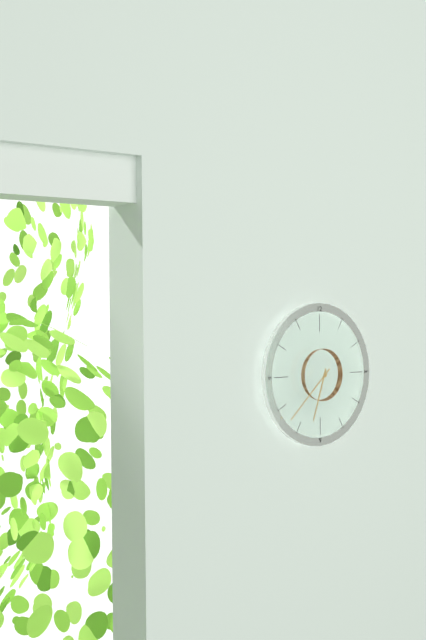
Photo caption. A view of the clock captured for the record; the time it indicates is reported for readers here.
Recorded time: 6:38
